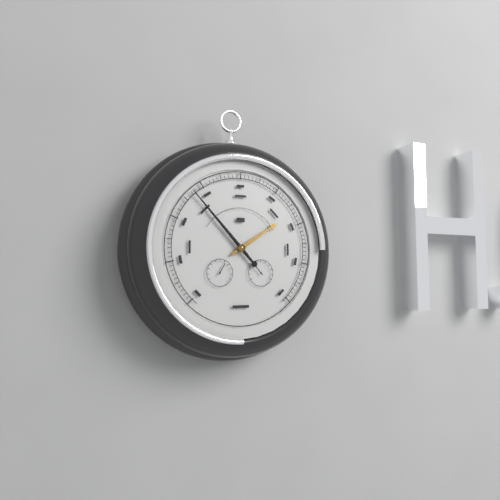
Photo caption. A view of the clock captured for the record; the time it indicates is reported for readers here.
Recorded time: 1:53
